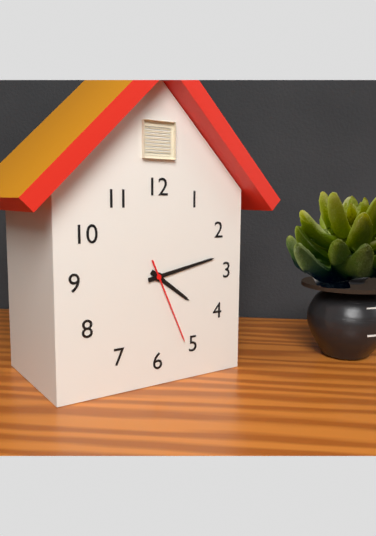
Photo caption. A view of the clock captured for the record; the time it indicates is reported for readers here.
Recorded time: 4:13:26
